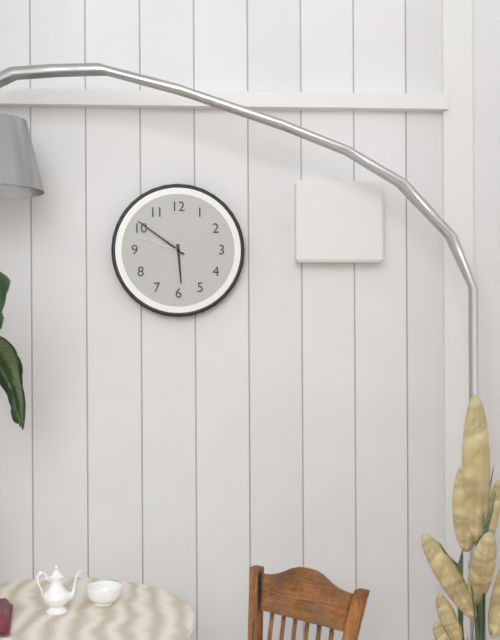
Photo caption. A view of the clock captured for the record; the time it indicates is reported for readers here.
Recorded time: 5:51:48
